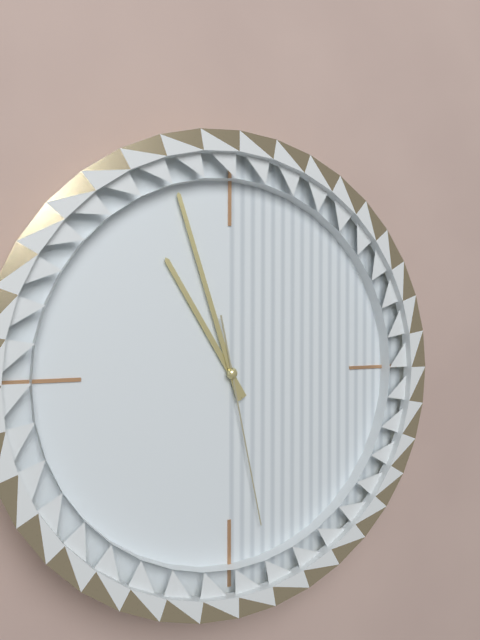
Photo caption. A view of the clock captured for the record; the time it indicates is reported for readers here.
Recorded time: 10:57:28
